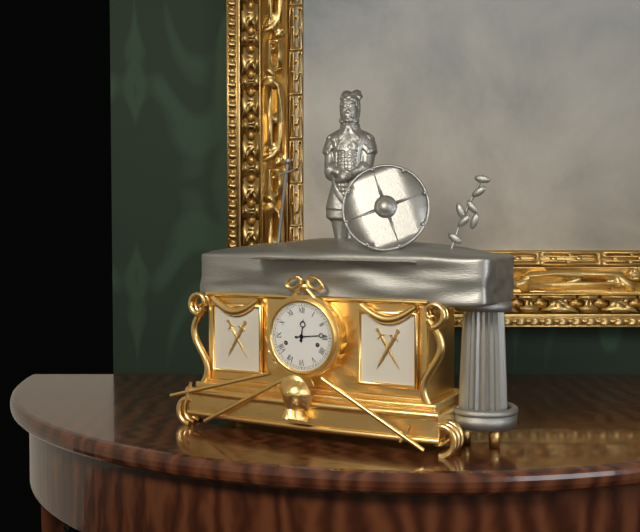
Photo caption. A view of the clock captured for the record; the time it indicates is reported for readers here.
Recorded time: 12:14
